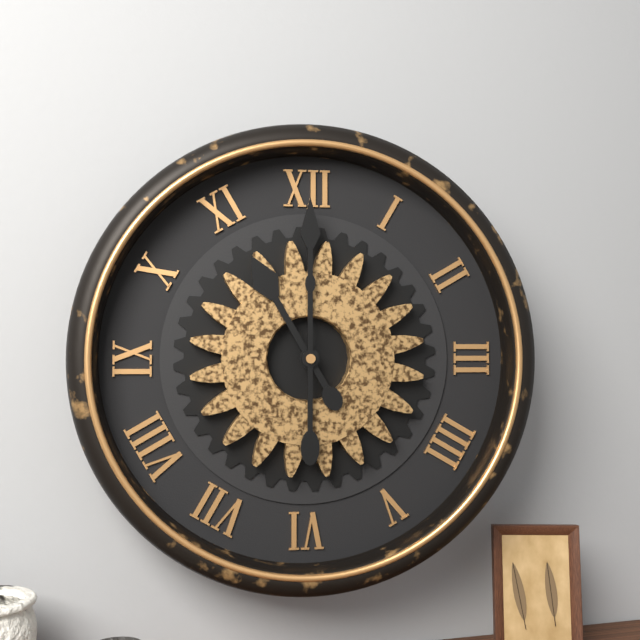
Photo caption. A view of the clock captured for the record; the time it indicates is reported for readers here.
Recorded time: 11:00
